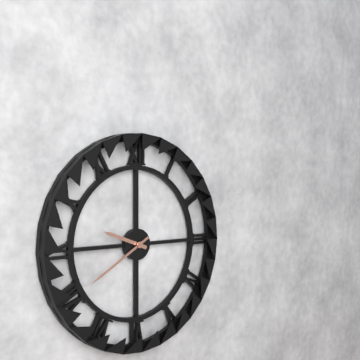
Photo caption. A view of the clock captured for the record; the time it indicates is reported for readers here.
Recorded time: 9:40
